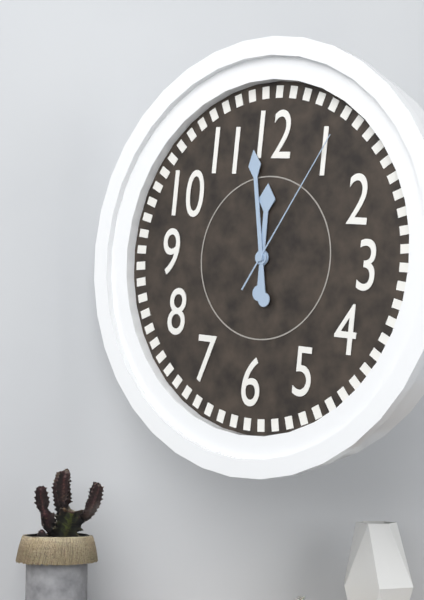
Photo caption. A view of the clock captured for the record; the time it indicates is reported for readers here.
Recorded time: 11:58:05
